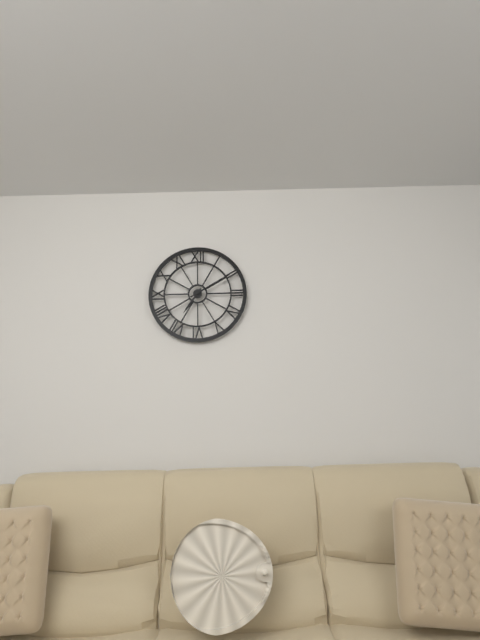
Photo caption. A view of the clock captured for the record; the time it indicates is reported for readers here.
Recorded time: 7:10
